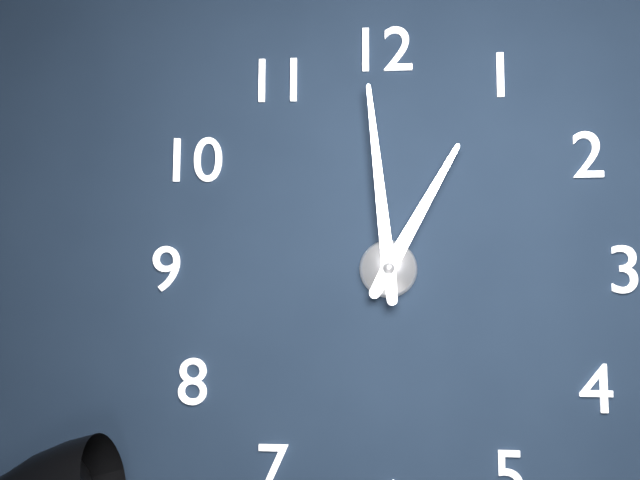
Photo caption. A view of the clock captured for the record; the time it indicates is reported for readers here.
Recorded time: 12:59
